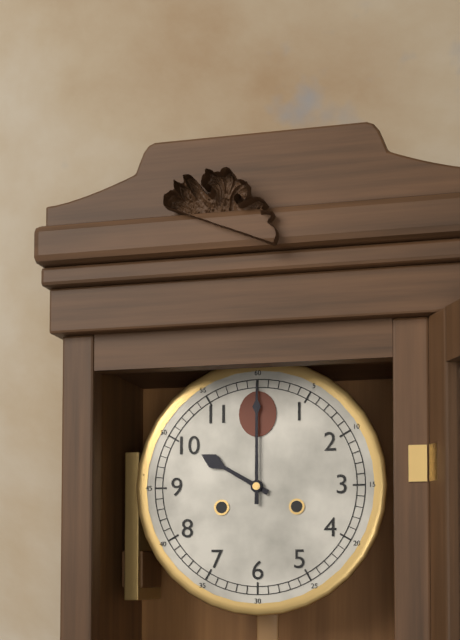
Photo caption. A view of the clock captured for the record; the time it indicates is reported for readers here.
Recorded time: 10:00
